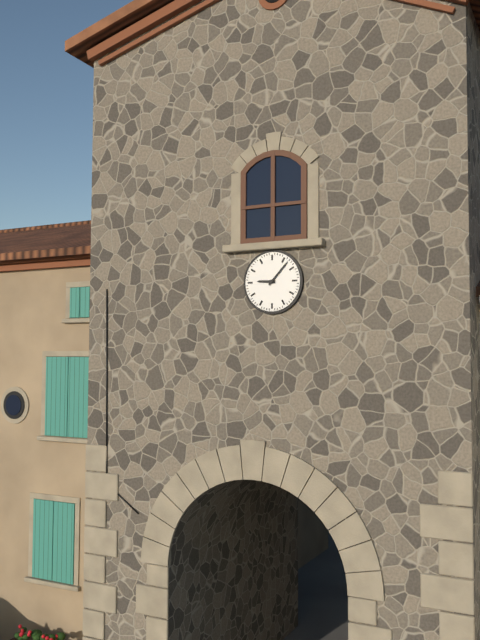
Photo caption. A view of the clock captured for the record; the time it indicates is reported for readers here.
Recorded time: 9:07
